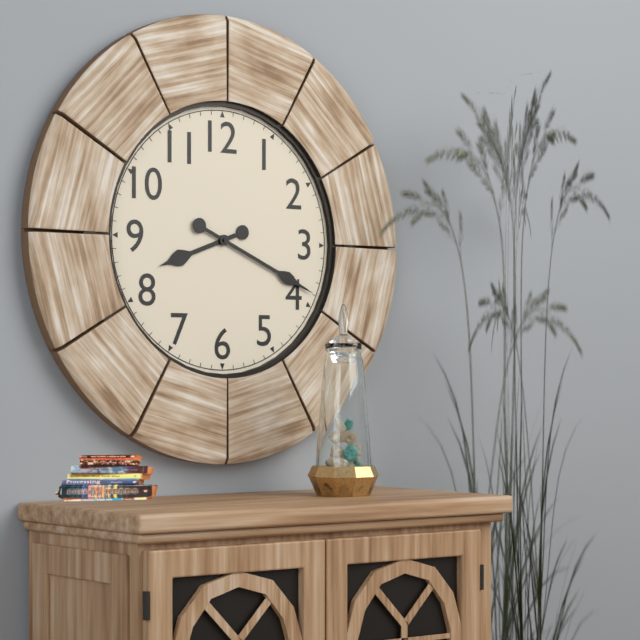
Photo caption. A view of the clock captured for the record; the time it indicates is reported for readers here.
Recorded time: 8:19
